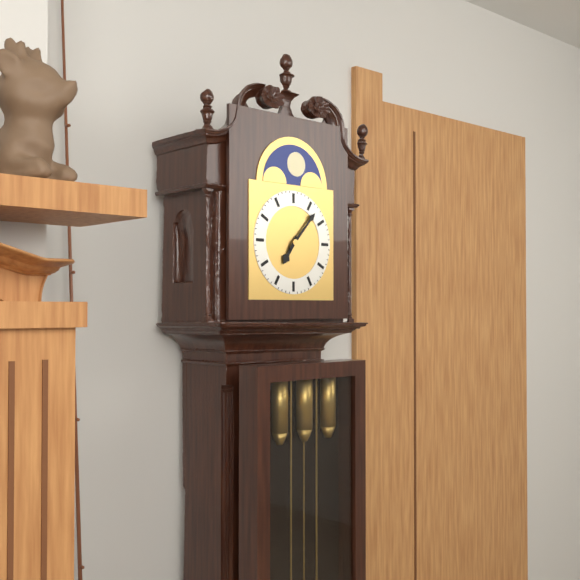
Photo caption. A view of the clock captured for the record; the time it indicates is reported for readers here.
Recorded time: 7:07
